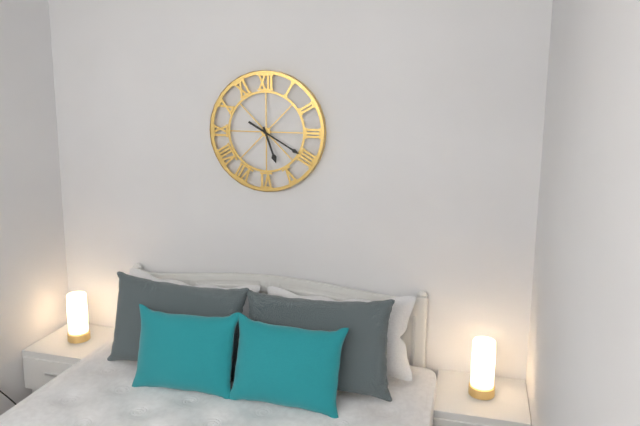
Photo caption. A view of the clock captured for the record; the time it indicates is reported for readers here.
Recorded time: 5:20
